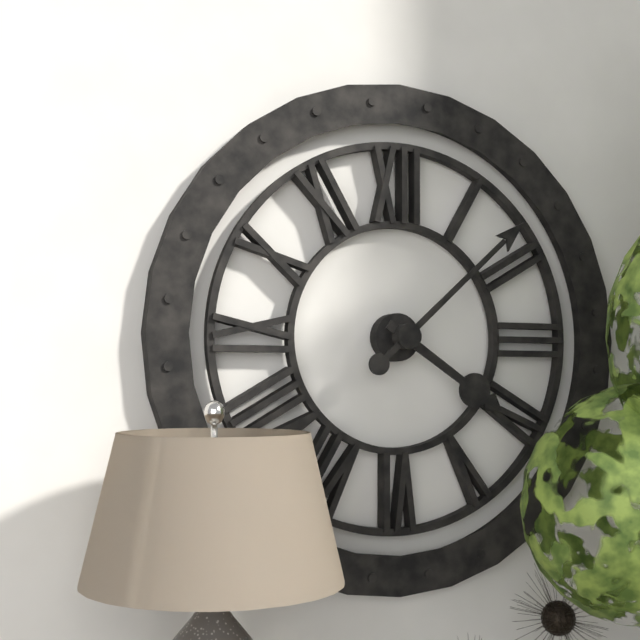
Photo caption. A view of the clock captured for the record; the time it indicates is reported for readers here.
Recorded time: 4:08
